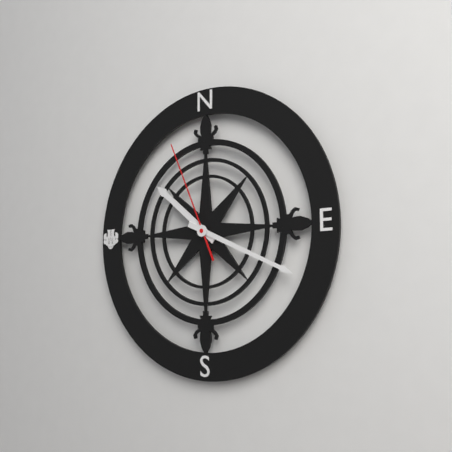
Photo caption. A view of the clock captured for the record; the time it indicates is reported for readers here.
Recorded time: 10:19:56
